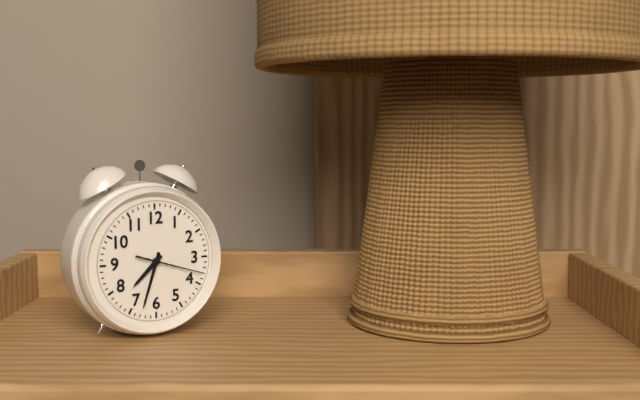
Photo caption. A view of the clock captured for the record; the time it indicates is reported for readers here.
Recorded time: 7:33:18
